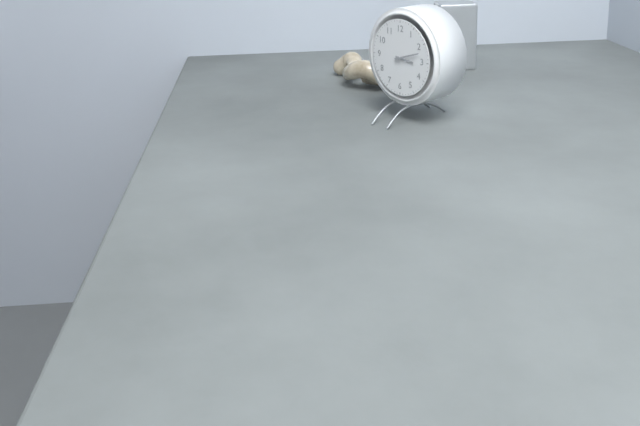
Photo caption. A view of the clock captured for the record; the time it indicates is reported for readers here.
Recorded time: 3:12
